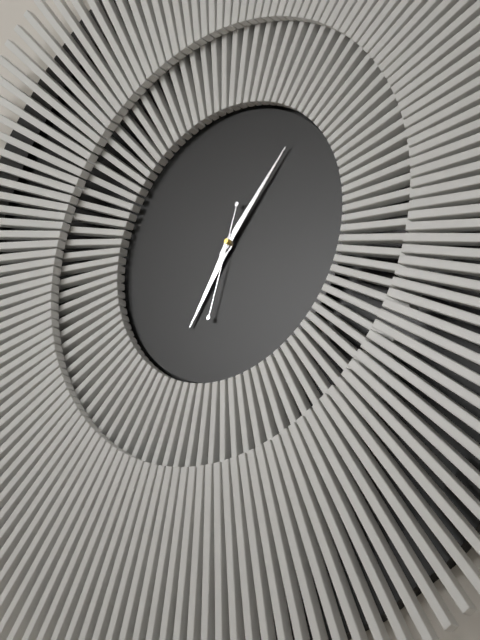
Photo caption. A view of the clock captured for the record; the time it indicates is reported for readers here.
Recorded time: 7:07:33
